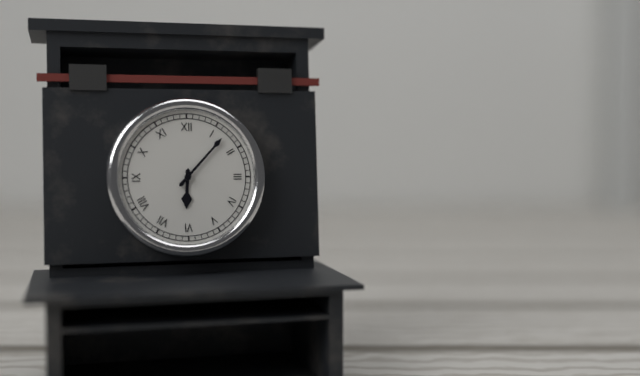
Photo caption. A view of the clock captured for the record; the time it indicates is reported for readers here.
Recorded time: 6:07
